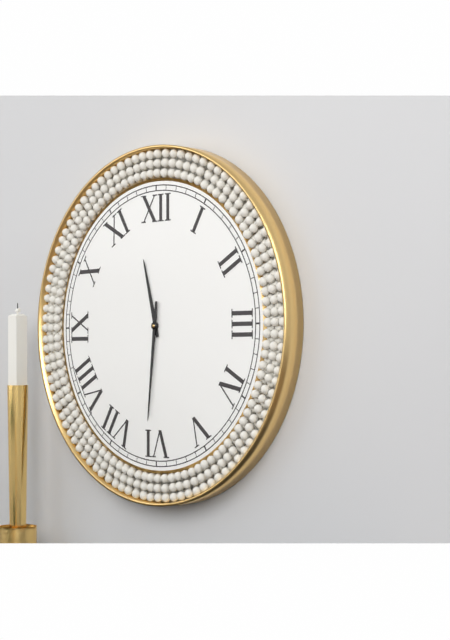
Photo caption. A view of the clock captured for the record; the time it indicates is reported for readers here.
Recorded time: 11:31
